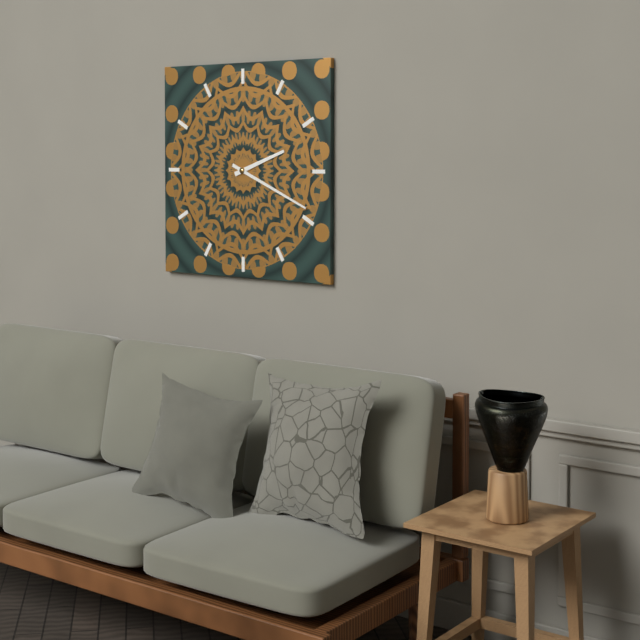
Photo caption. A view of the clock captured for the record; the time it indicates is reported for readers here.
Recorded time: 2:19
